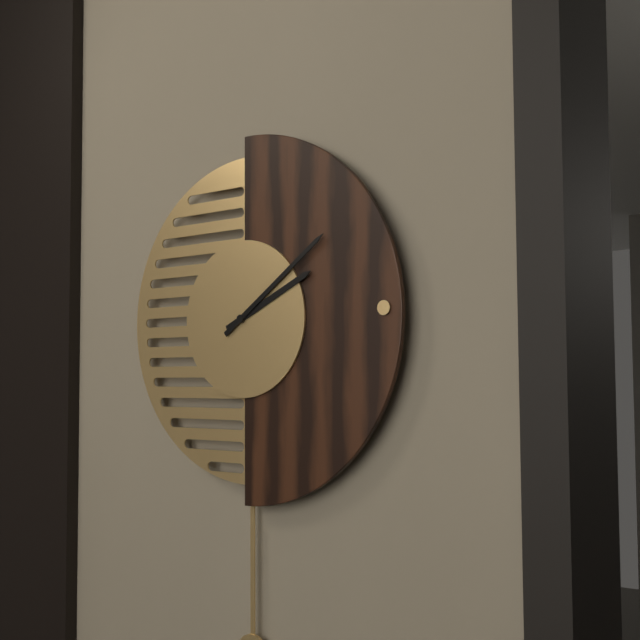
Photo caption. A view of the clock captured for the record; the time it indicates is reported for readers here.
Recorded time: 2:09
